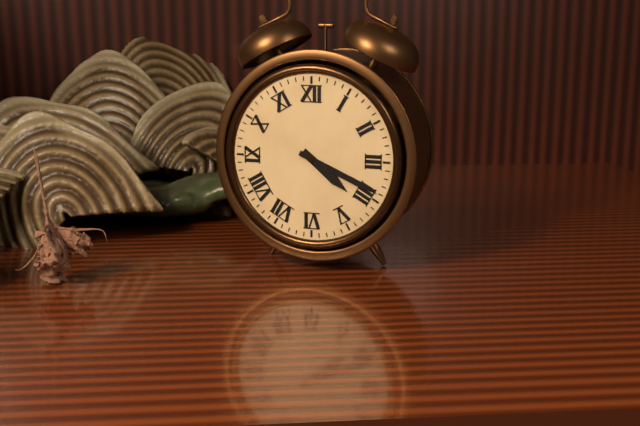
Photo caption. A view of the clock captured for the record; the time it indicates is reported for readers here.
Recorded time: 4:19
